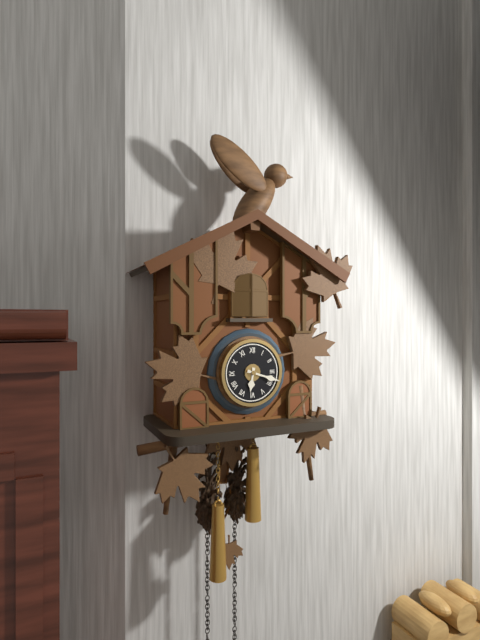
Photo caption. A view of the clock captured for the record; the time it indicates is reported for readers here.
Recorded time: 6:18
